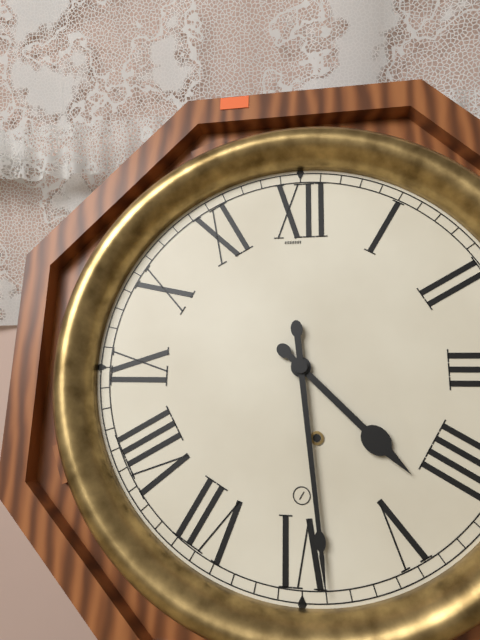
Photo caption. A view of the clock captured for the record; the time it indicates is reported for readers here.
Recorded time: 4:29
